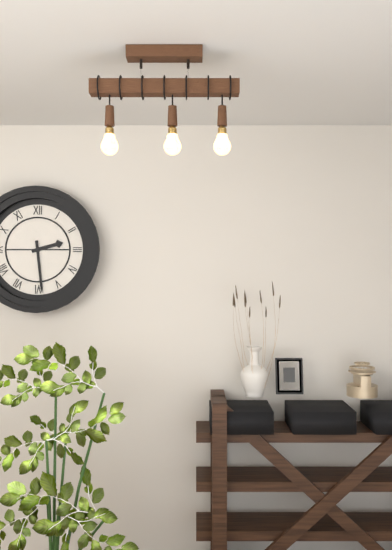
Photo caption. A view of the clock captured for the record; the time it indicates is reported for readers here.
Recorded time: 2:29
